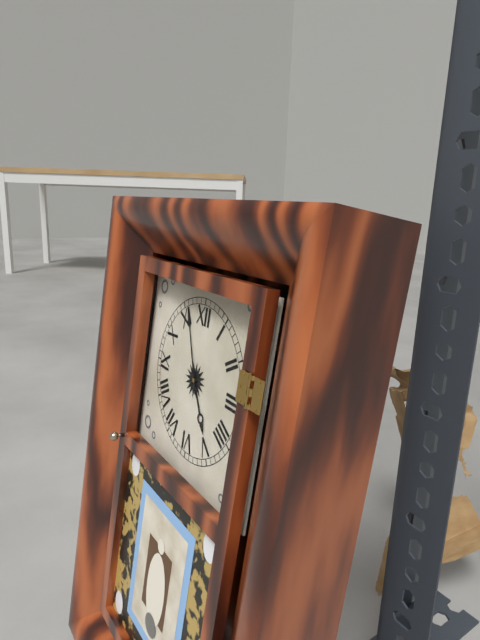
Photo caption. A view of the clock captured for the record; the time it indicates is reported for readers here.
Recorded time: 4:56
